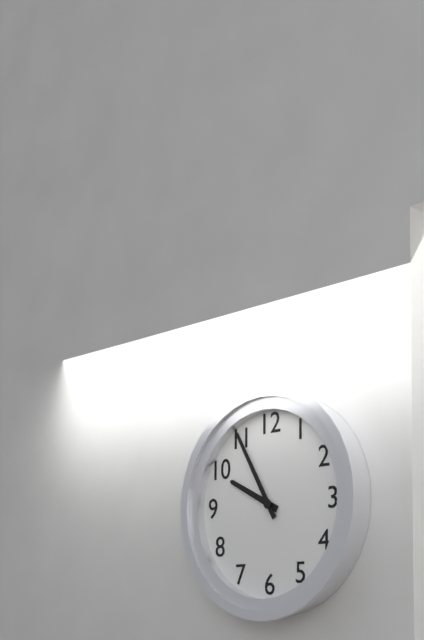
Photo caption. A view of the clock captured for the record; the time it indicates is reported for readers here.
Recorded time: 9:55
